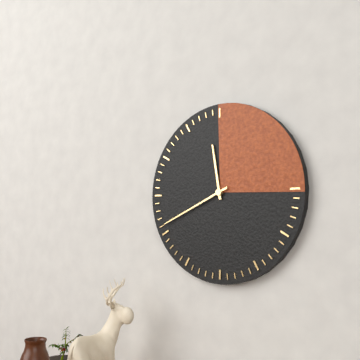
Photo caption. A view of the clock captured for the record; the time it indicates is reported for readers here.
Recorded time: 11:41
